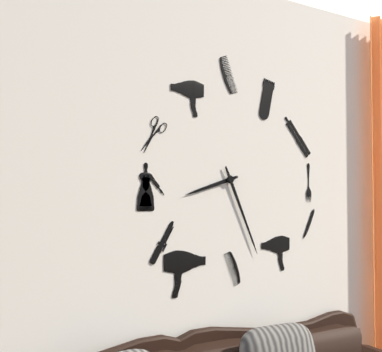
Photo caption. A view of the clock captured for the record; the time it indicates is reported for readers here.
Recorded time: 8:26
